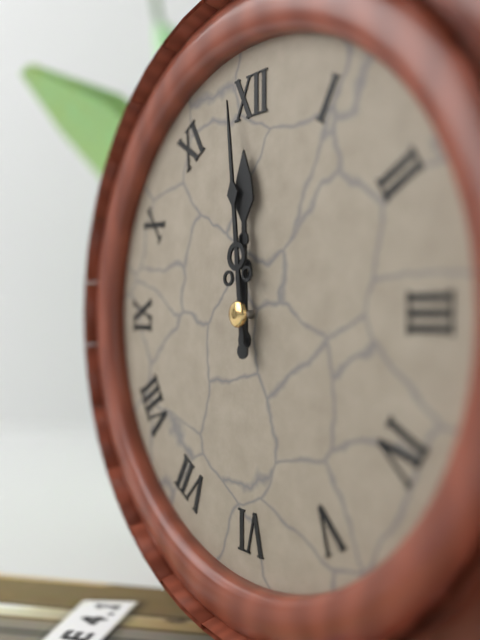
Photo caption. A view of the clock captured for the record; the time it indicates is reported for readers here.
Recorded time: 11:59
